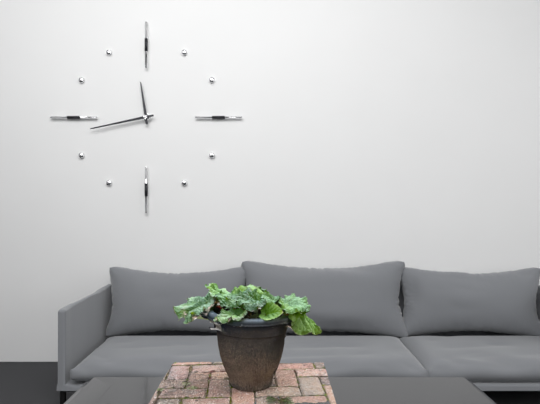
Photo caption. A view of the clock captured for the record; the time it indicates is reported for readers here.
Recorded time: 11:43
